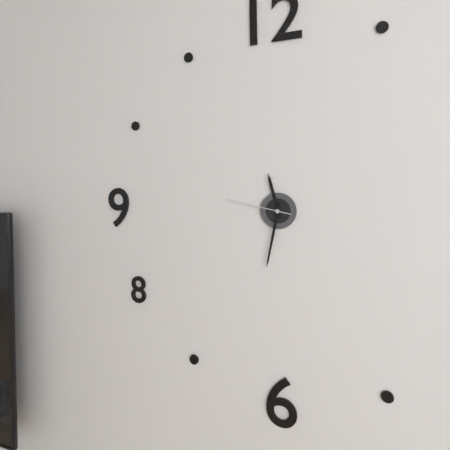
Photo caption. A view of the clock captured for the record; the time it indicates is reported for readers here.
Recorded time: 11:32:47
